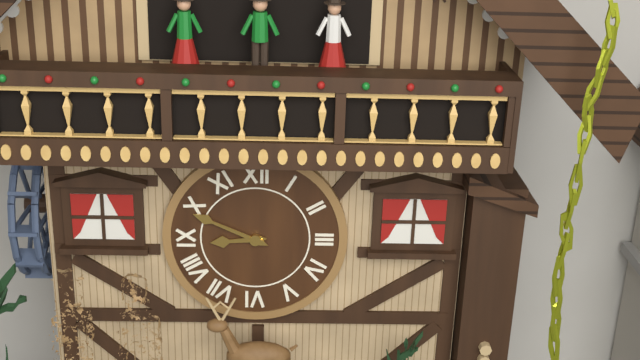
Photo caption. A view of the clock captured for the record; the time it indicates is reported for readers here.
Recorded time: 8:49
